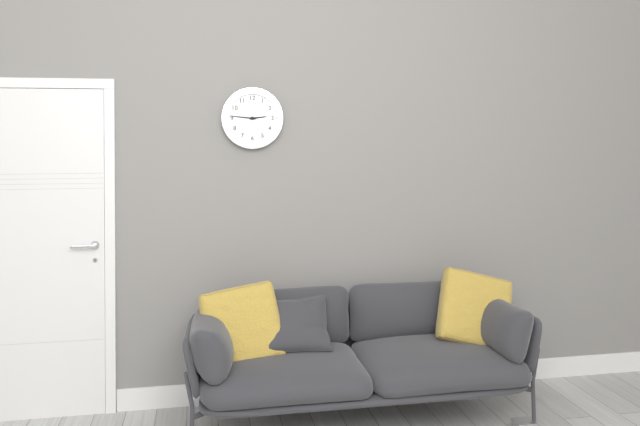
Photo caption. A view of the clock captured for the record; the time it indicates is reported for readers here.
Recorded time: 2:46
